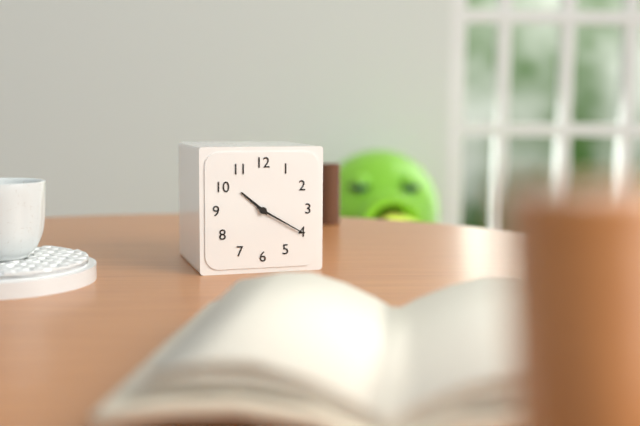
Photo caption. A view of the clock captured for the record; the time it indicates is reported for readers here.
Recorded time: 10:20
